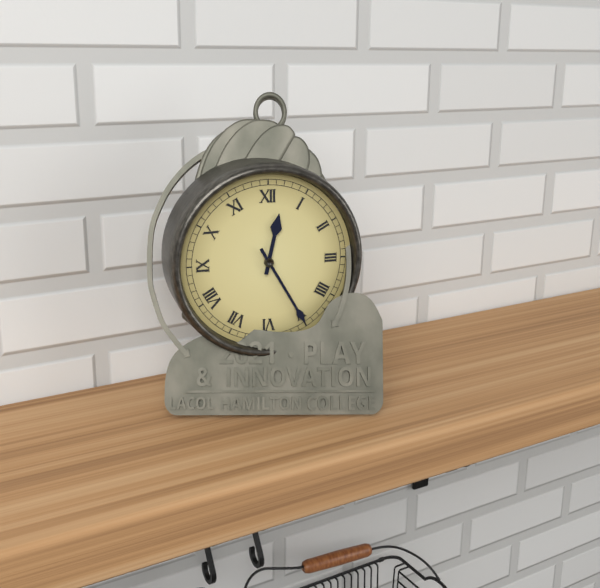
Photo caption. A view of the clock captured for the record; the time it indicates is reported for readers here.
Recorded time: 12:25
